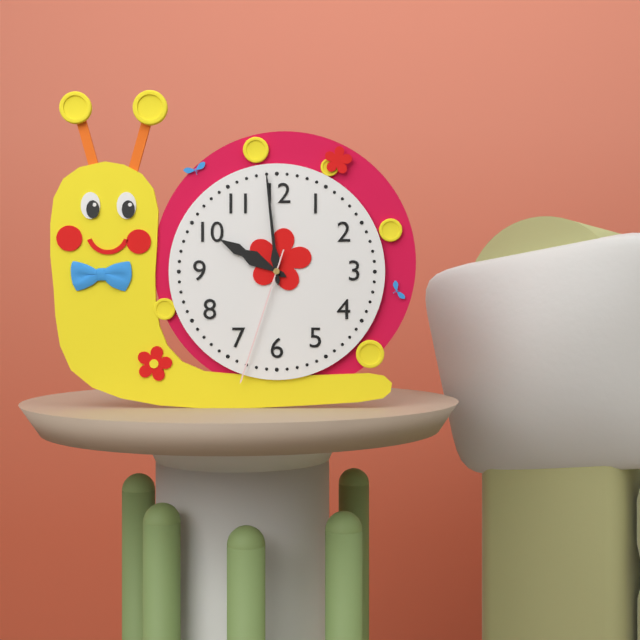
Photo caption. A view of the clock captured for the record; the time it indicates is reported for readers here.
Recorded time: 9:59:33
